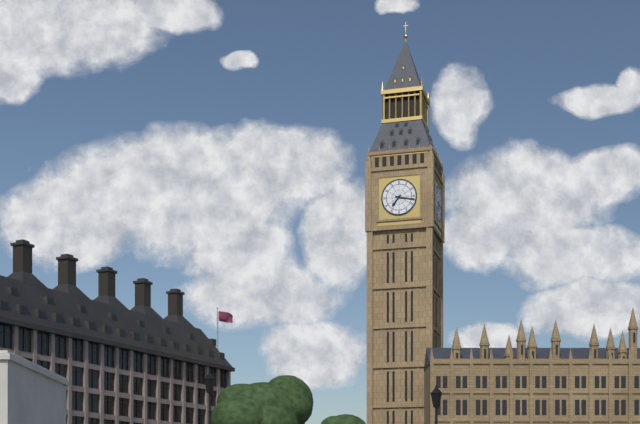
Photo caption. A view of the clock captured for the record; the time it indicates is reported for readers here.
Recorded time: 7:17
